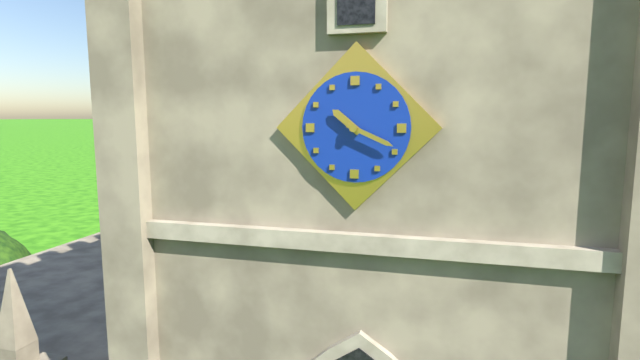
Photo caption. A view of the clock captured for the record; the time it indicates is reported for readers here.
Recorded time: 10:19
